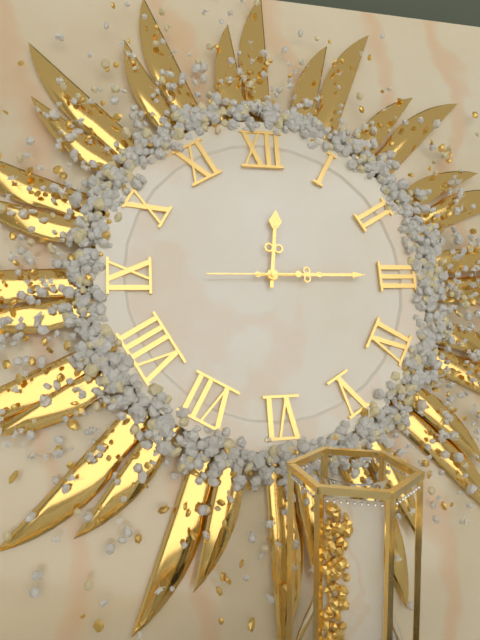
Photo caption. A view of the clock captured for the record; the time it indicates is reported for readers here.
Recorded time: 12:15:45
